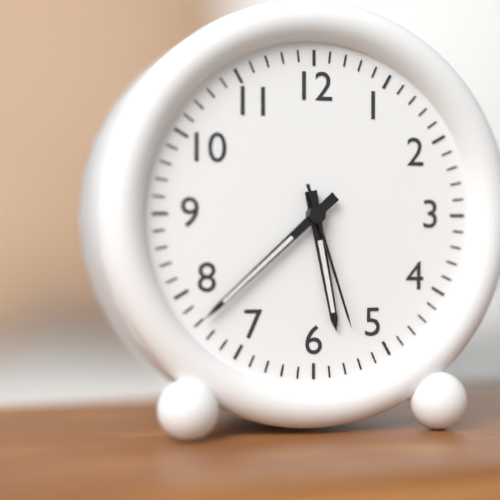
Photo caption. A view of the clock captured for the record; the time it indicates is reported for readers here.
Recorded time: 5:38:27
